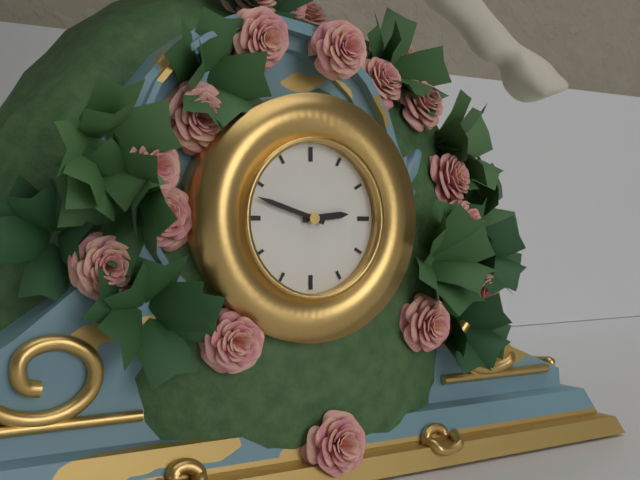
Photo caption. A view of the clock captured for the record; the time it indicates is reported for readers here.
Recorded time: 2:48
